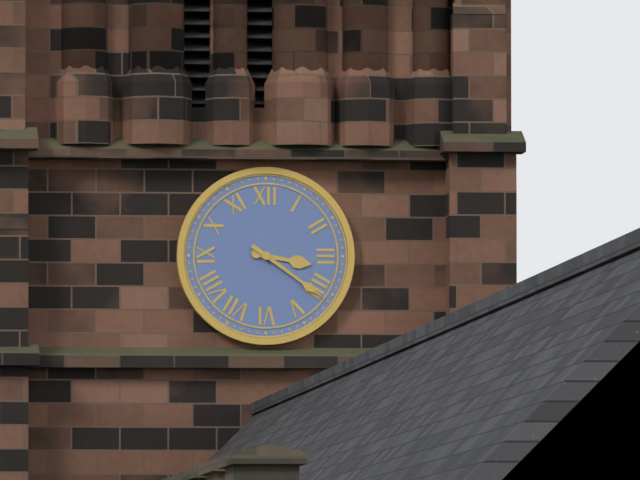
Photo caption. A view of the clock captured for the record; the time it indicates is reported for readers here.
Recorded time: 3:21
